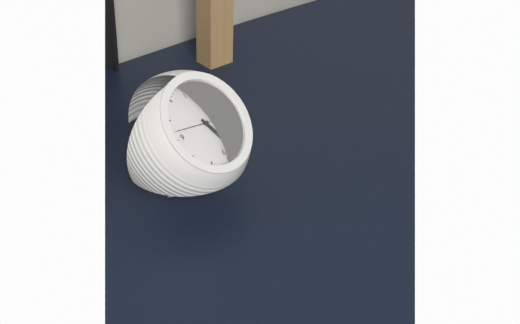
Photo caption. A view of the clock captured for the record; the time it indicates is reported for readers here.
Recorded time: 5:26
